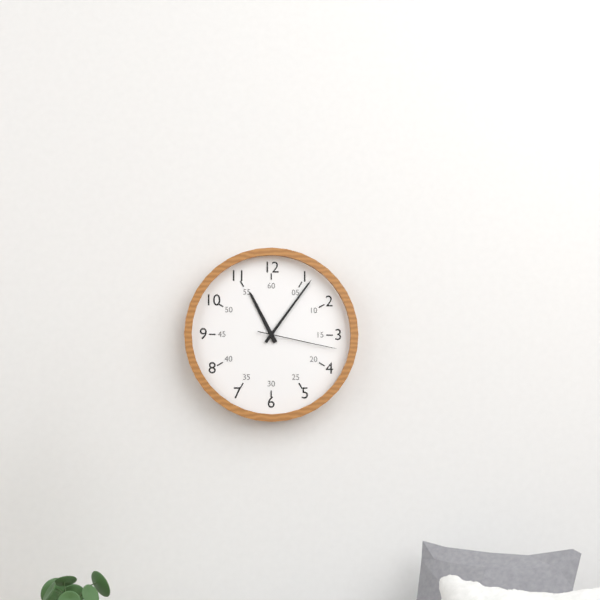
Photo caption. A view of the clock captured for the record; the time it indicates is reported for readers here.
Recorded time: 11:06:17
